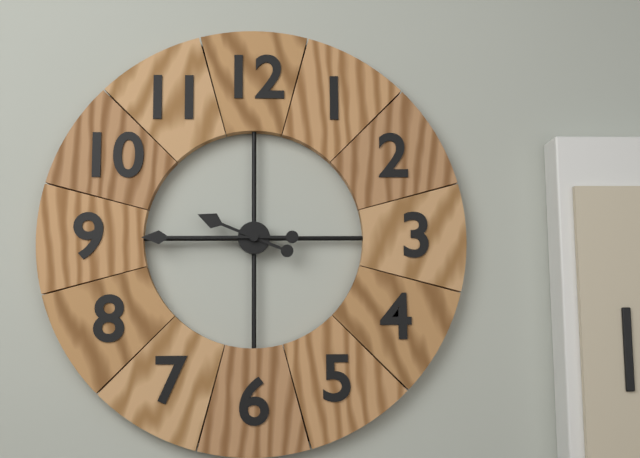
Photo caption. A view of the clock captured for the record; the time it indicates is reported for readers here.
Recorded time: 9:45
